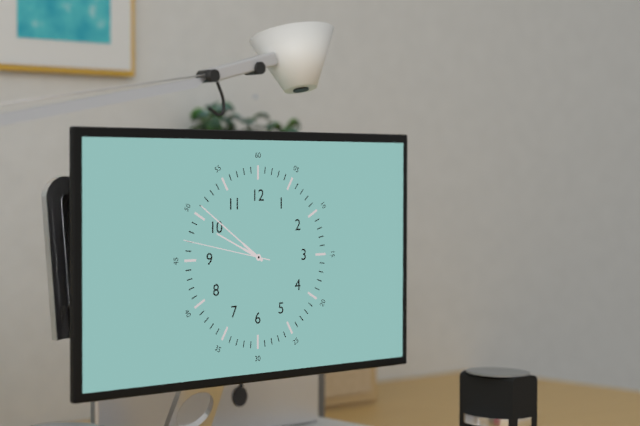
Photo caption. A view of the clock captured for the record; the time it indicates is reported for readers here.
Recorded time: 9:51:47
